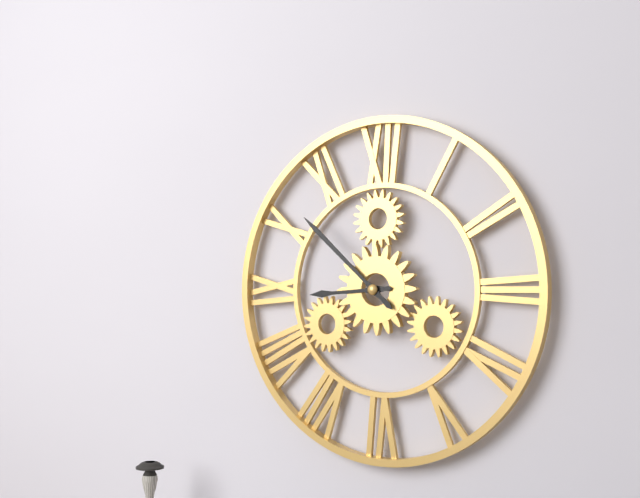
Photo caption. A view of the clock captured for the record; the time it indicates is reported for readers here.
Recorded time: 8:52
